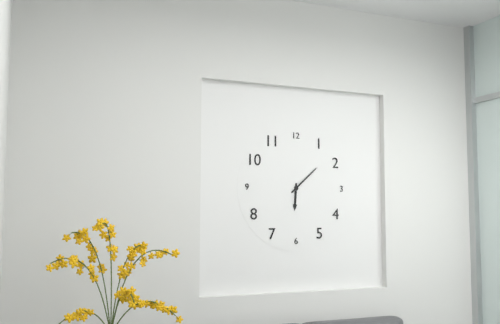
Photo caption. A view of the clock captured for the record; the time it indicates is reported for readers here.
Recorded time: 6:08
